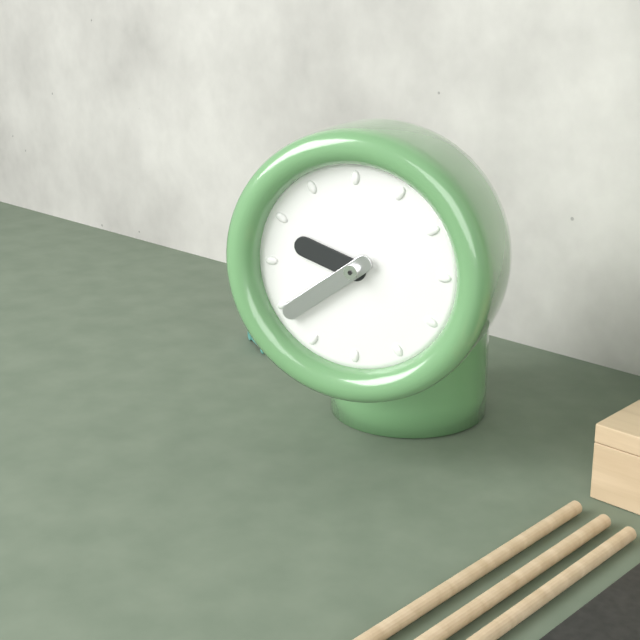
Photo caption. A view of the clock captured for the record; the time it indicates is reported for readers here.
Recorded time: 9:39
